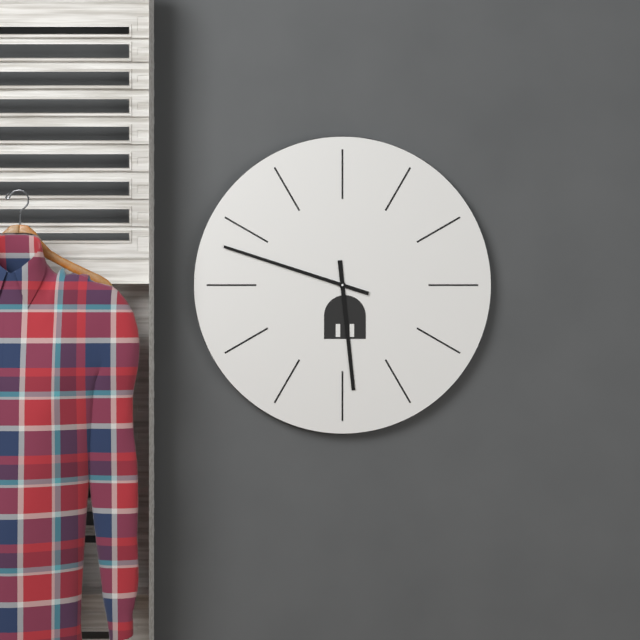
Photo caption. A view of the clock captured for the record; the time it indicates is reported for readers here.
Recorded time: 5:48
